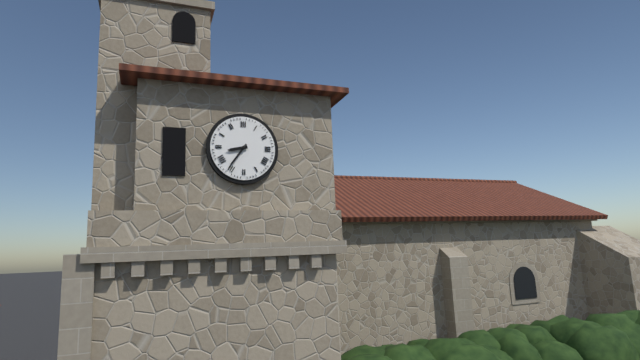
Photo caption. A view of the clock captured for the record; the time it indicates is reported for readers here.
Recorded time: 8:36
